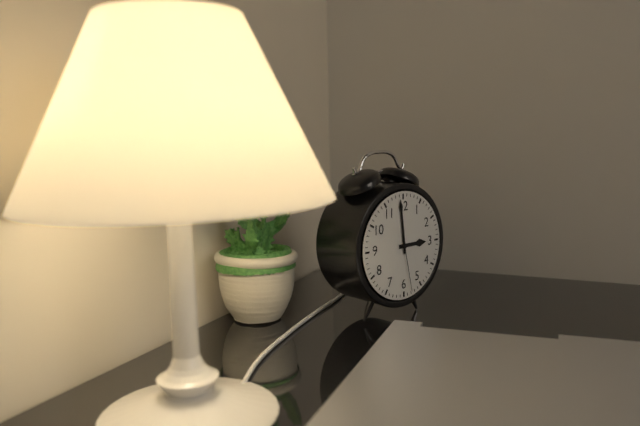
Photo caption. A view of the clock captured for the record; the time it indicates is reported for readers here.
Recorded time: 2:59:28
